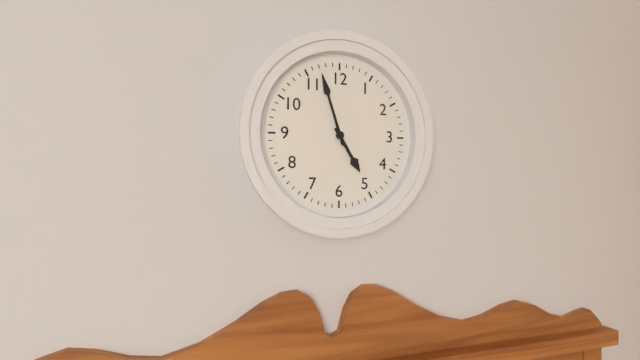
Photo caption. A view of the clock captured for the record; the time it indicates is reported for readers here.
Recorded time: 4:57
